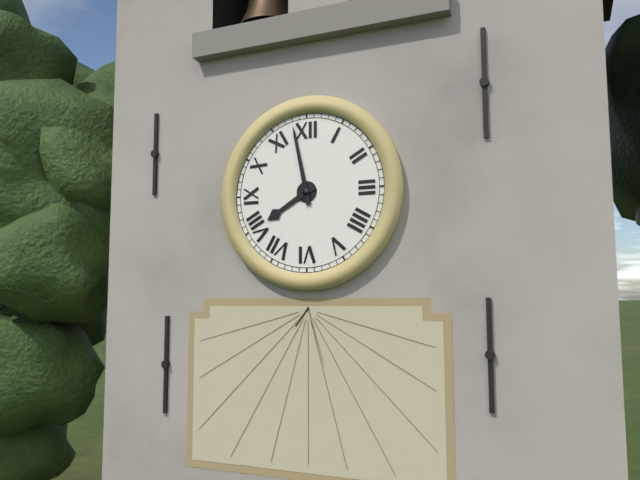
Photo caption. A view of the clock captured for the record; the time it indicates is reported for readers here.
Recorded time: 7:58
